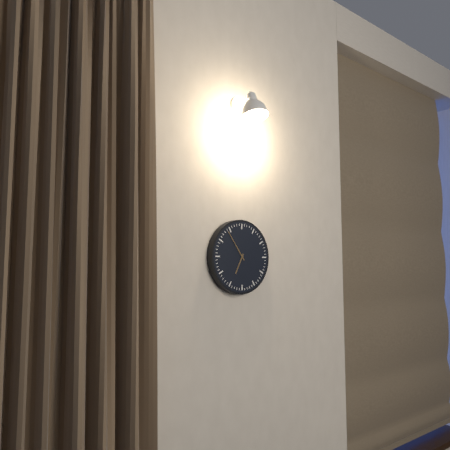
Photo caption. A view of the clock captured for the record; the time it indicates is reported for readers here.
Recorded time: 6:54
